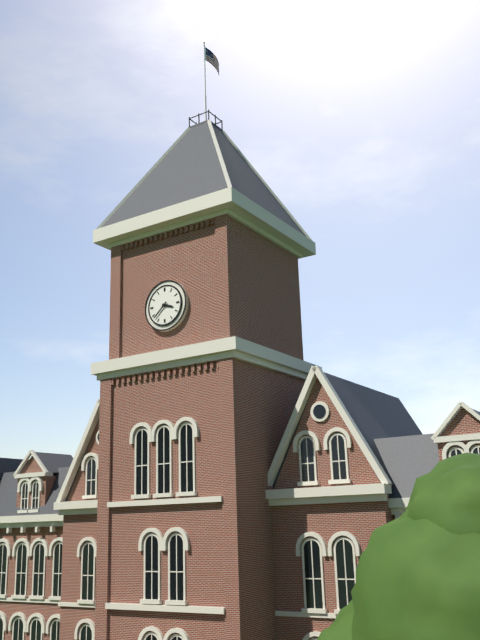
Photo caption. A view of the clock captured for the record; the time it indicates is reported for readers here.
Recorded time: 3:38
